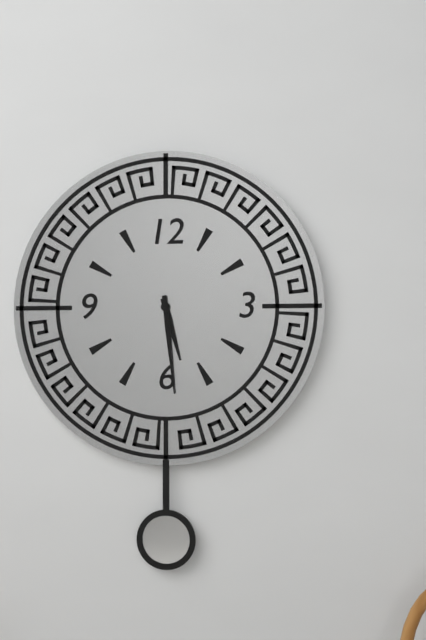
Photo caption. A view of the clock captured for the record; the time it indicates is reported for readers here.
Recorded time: 5:29
